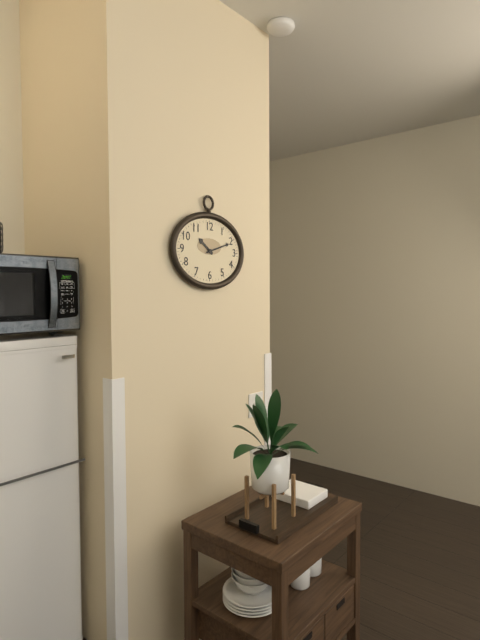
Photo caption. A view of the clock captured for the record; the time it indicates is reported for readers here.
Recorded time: 10:12
